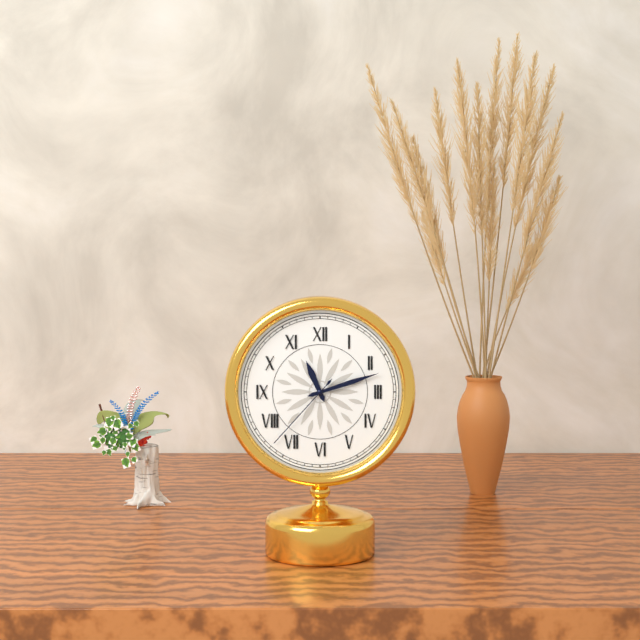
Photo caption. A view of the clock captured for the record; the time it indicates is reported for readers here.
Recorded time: 11:12:37
